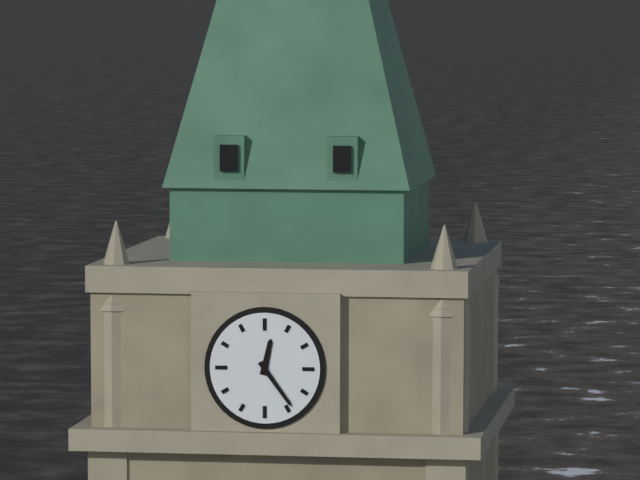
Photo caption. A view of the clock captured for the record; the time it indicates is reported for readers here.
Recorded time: 12:24
